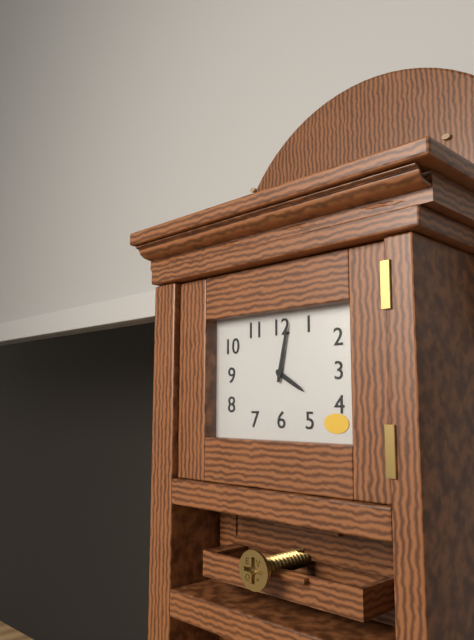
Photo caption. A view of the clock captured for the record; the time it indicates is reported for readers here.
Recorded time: 4:02
